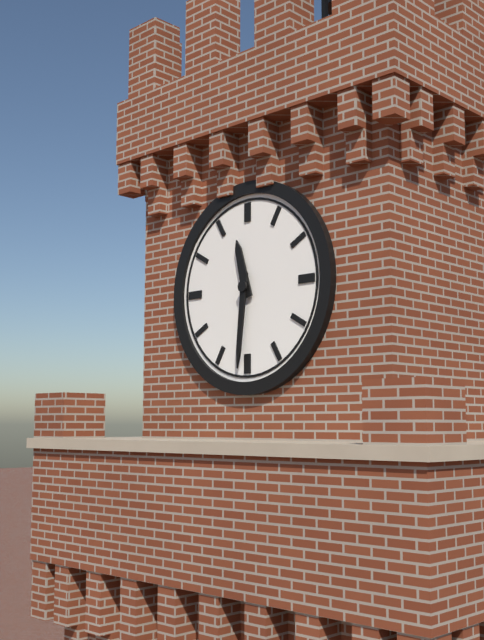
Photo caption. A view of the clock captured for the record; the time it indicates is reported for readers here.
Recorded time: 11:31
